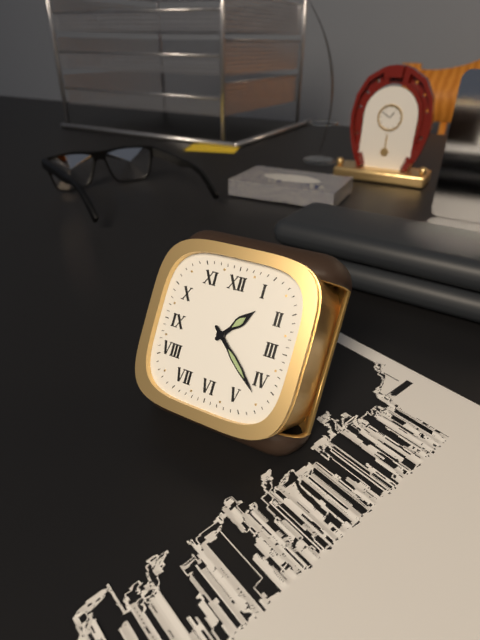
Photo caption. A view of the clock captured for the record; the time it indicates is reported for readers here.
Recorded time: 1:22
